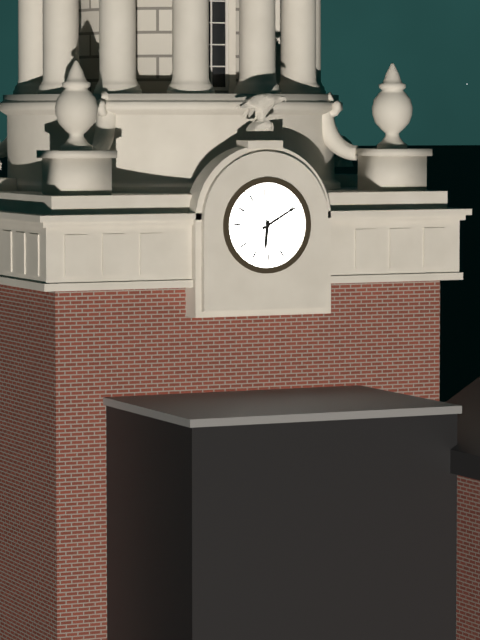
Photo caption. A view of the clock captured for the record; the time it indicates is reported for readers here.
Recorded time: 6:10
